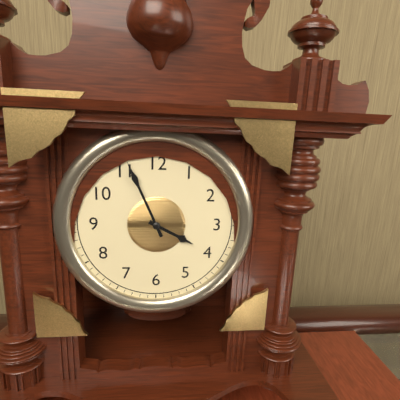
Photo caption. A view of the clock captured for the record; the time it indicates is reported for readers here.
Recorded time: 3:56
